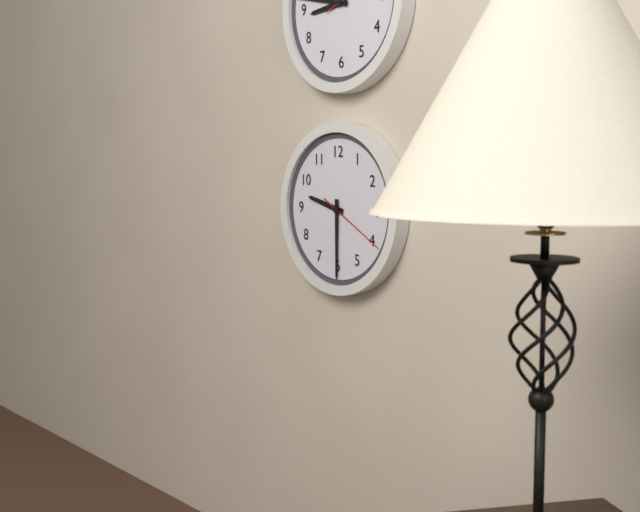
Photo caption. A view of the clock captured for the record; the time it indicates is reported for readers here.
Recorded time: 9:30:20
